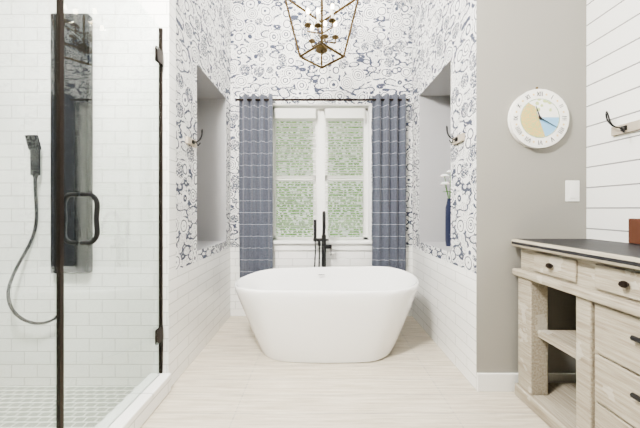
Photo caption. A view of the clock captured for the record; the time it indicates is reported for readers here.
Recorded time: 11:20
